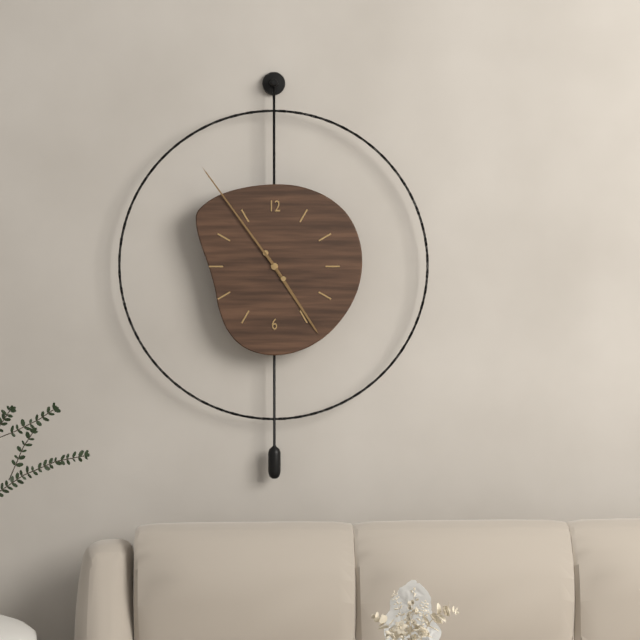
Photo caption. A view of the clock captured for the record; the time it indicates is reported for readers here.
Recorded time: 4:54
